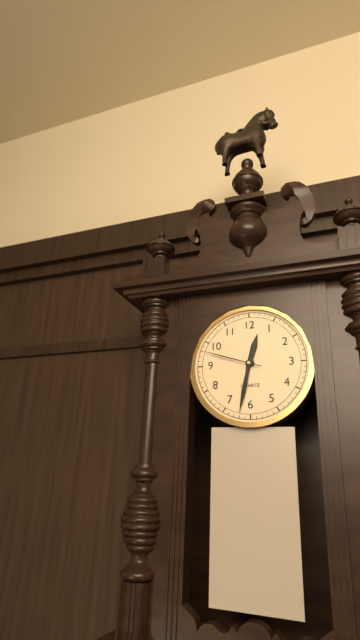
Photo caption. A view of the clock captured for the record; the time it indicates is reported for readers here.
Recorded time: 12:32:48
